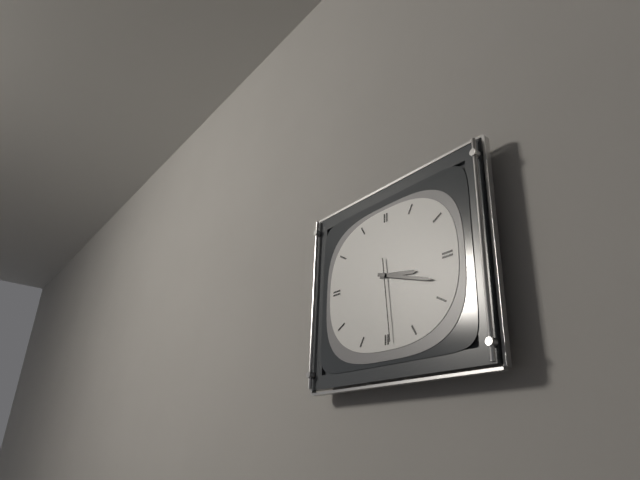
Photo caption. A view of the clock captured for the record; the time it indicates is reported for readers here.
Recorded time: 3:18:29
